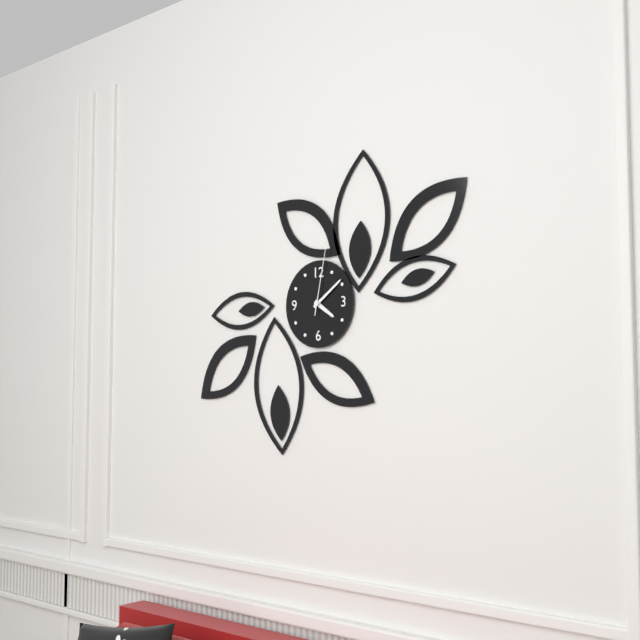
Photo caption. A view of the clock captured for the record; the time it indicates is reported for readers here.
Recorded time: 4:09:02
